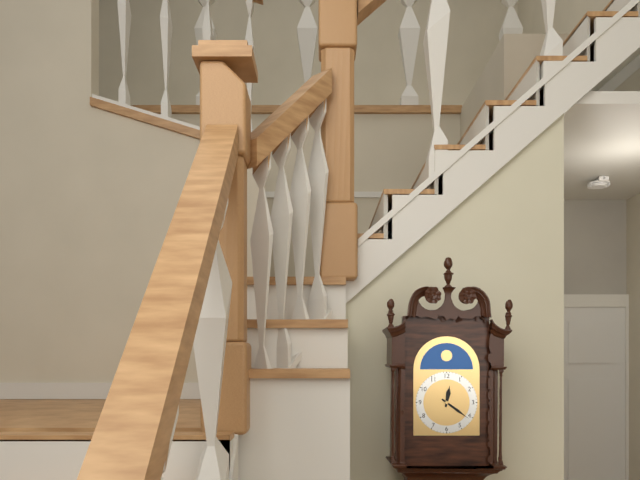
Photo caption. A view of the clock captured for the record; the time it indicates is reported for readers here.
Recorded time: 12:21
